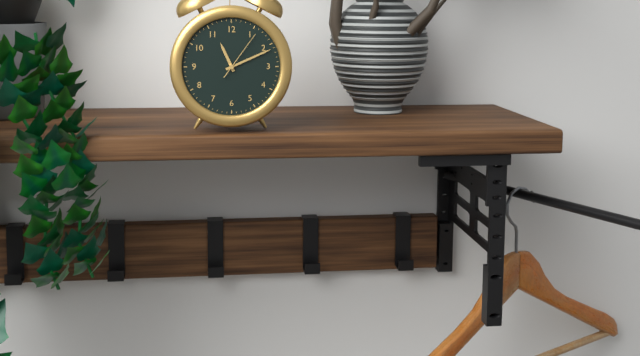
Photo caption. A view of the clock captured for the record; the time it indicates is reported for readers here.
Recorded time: 11:11:06
